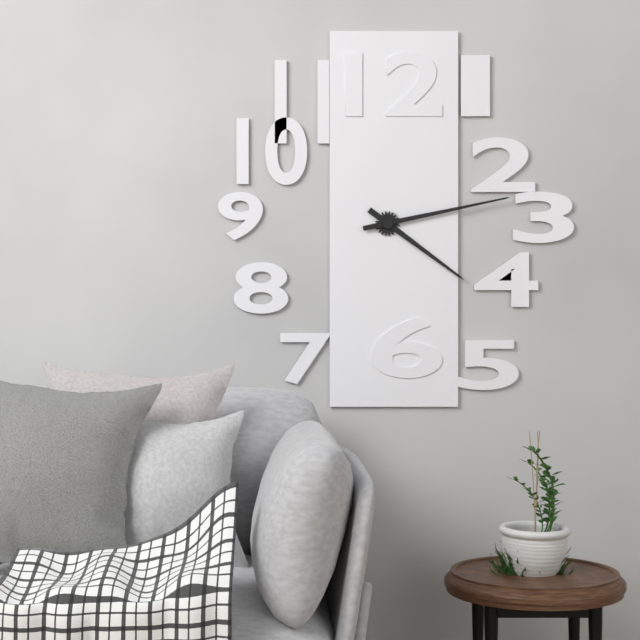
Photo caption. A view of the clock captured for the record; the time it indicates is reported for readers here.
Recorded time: 4:13
